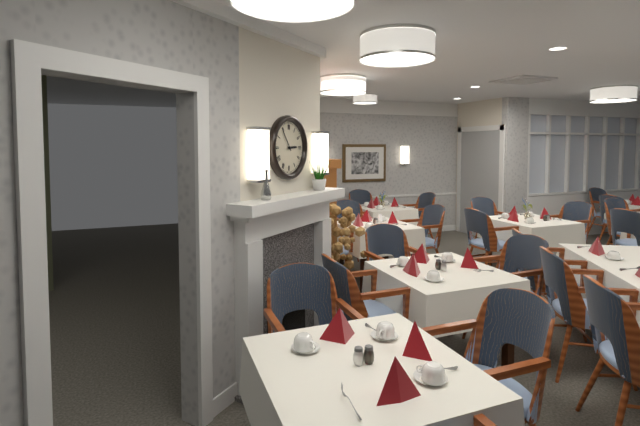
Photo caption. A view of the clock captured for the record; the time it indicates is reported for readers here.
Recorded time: 2:54
